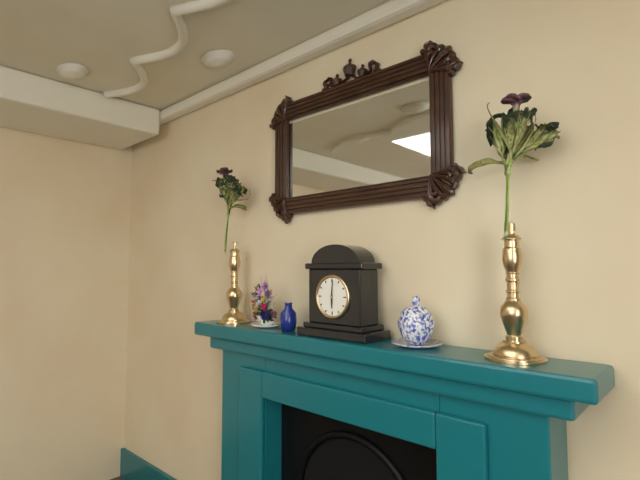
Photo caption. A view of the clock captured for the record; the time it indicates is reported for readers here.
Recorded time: 6:01
